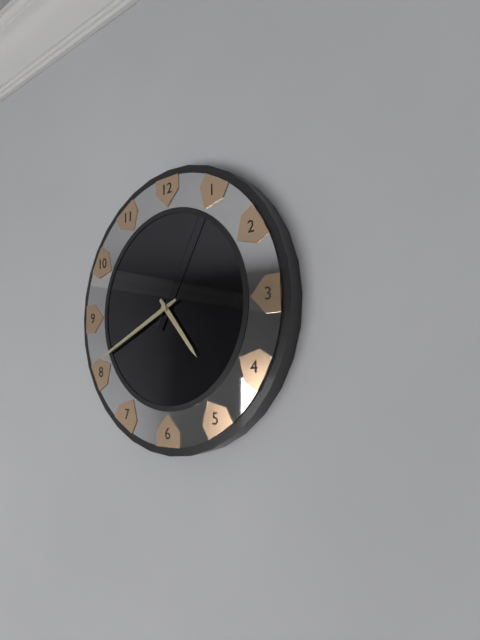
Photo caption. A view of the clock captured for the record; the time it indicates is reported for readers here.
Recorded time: 4:41:05
